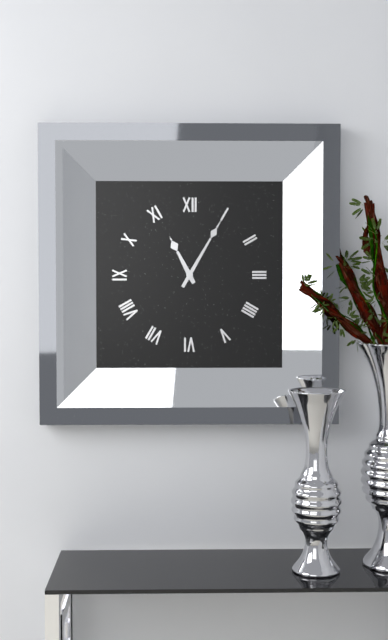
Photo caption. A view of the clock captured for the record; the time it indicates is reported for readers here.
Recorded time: 11:05
